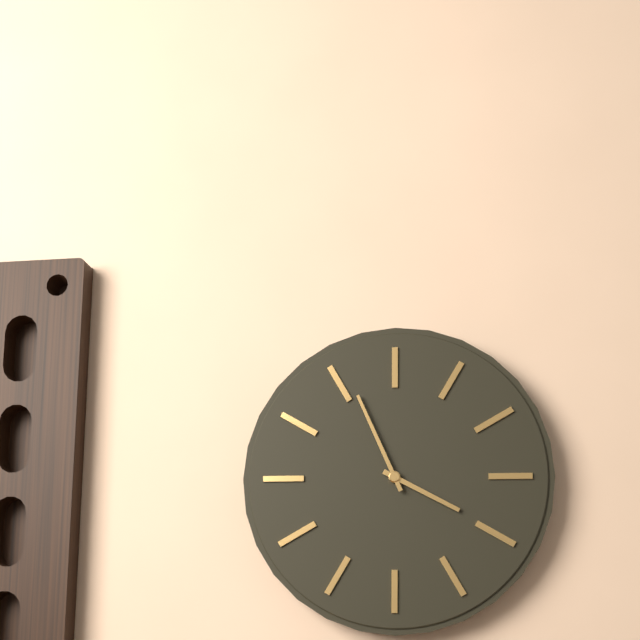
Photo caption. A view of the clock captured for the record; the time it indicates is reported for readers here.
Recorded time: 3:56
